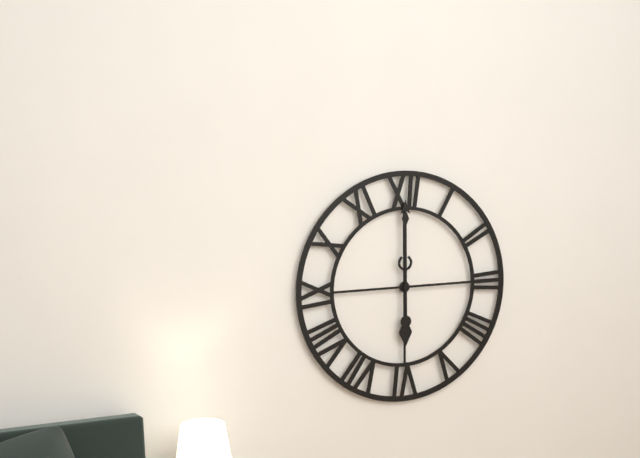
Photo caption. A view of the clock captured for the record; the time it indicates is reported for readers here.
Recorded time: 6:00
